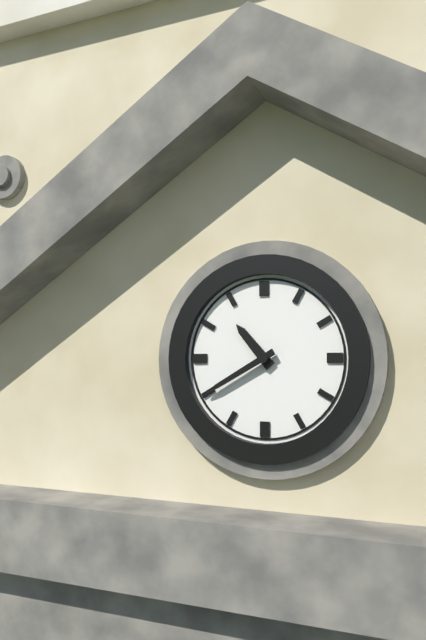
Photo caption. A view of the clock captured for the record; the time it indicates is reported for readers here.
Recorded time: 10:40
